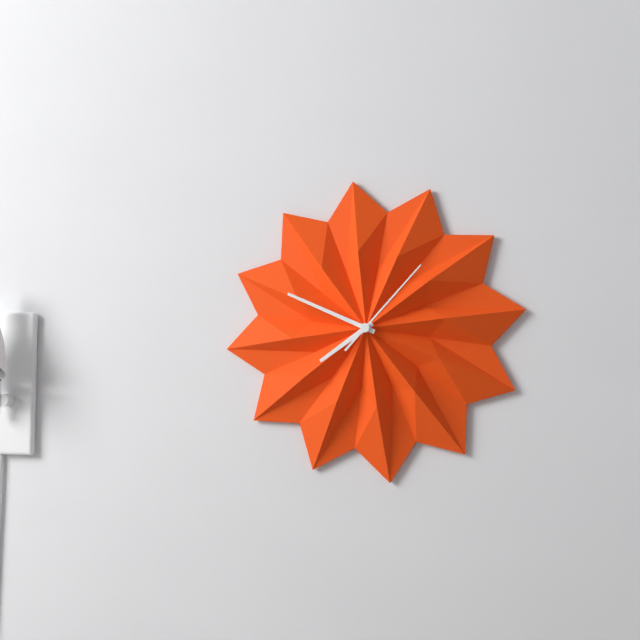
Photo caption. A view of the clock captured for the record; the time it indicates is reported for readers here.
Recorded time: 7:49:07
